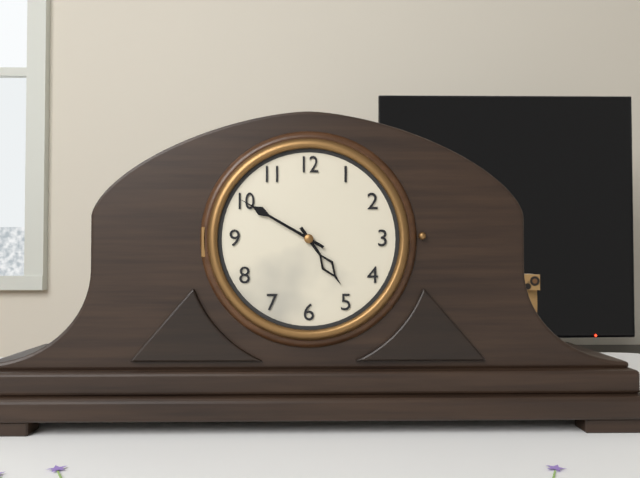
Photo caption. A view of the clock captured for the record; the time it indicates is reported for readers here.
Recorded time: 4:50
